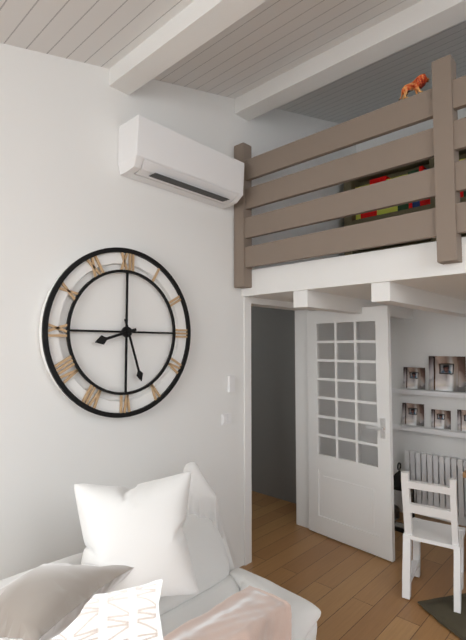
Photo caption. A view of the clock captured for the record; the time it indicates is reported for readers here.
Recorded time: 8:27
